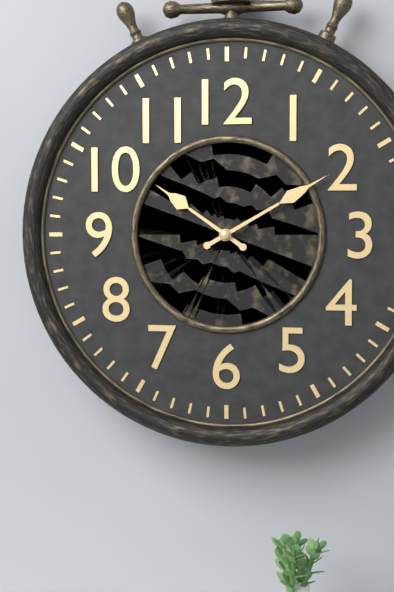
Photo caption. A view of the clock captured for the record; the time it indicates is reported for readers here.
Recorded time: 10:10
